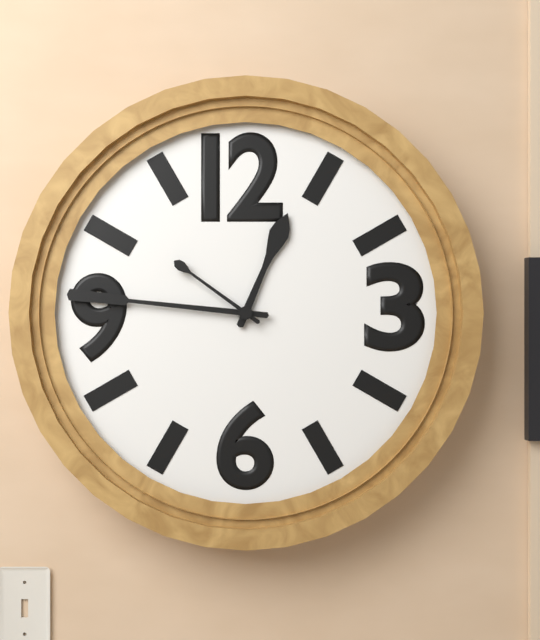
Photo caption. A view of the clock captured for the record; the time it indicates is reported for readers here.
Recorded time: 12:46:51
